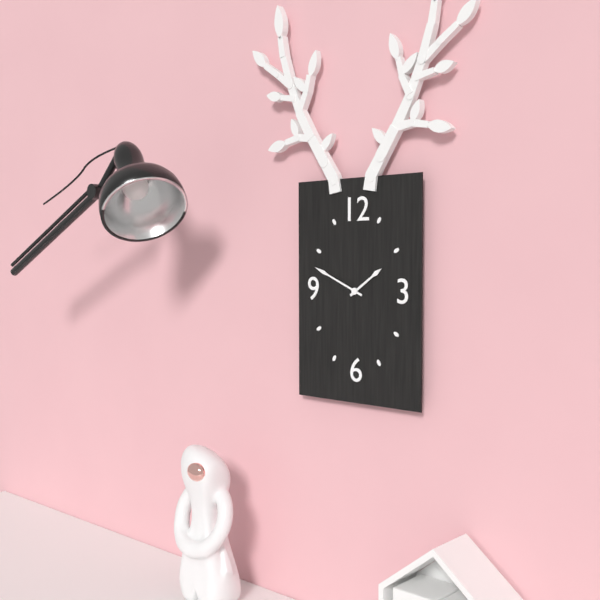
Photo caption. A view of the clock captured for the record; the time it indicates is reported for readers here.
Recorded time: 1:49
